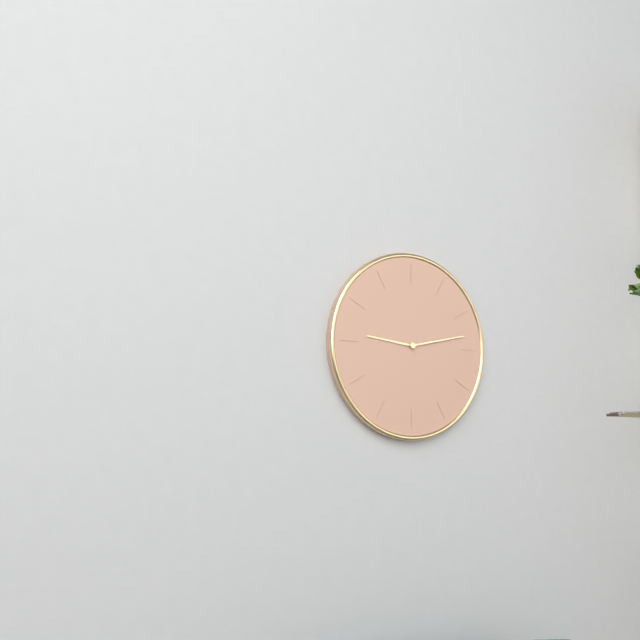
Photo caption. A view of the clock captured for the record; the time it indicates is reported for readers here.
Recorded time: 9:13
